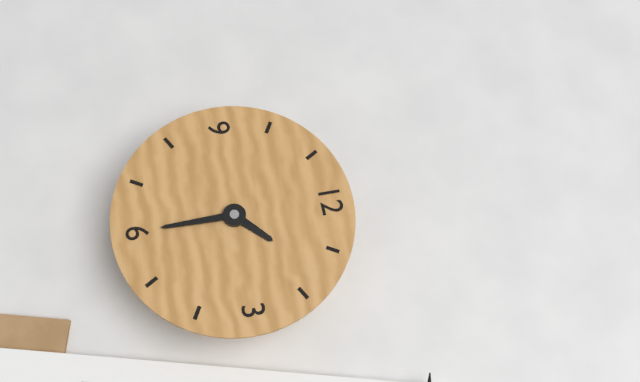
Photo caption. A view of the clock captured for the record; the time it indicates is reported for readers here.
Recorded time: 1:30
